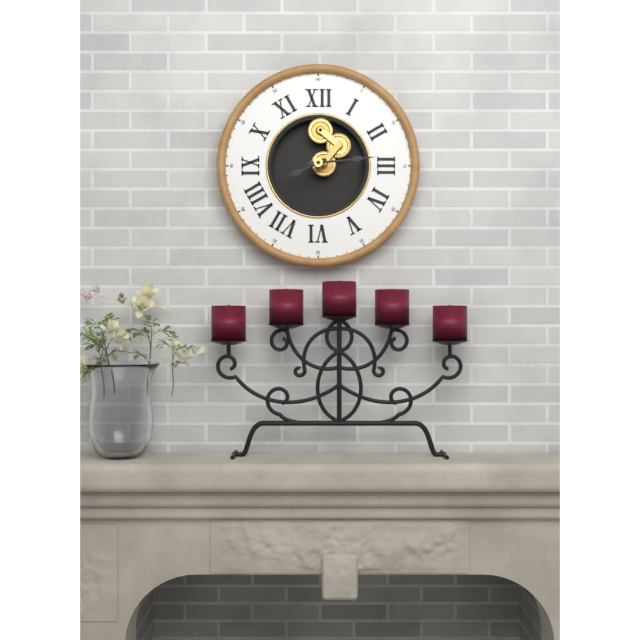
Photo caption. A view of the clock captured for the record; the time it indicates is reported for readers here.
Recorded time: 8:14
